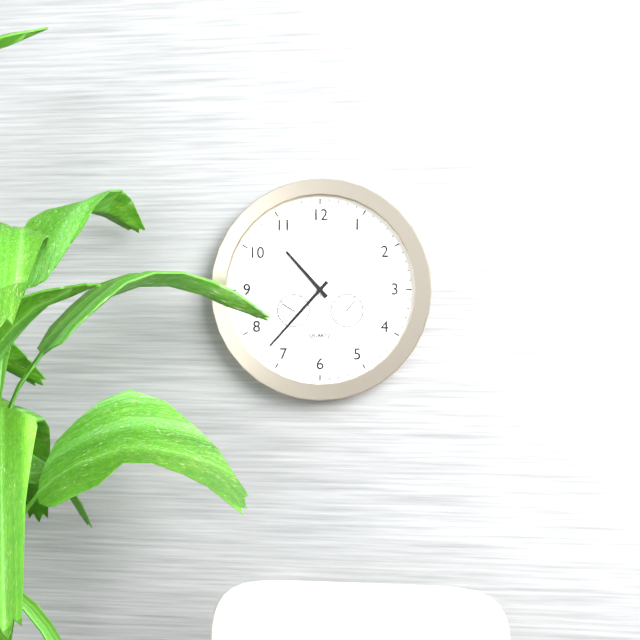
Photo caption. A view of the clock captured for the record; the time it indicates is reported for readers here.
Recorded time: 10:37:59
